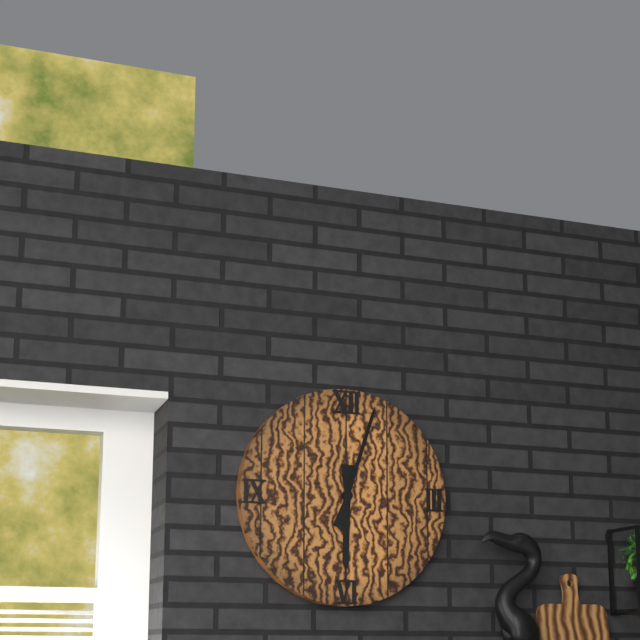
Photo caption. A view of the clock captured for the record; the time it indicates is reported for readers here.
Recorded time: 6:03
